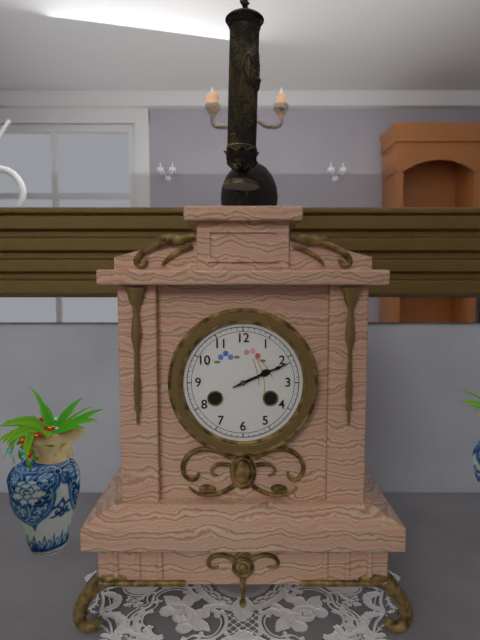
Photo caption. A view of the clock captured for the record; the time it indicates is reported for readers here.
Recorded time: 2:11
